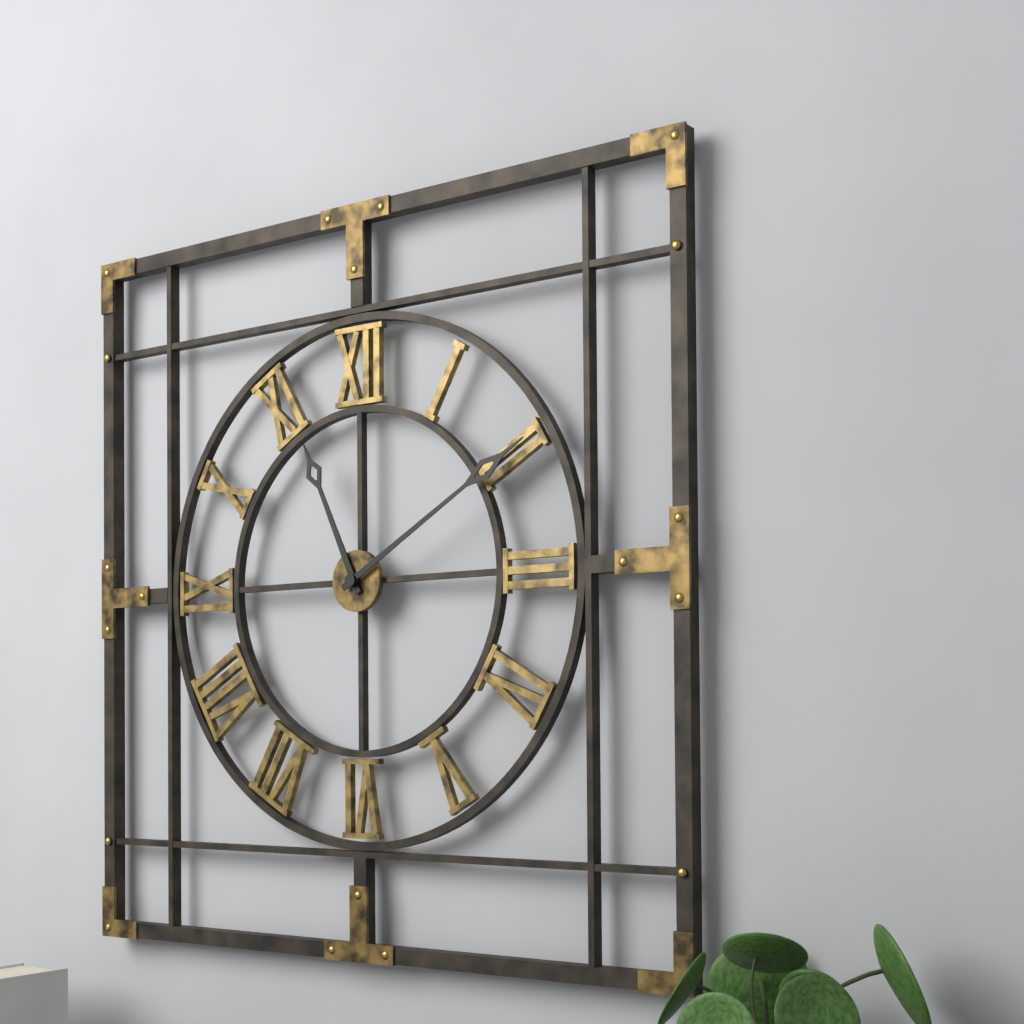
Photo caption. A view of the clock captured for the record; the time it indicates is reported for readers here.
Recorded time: 11:10
